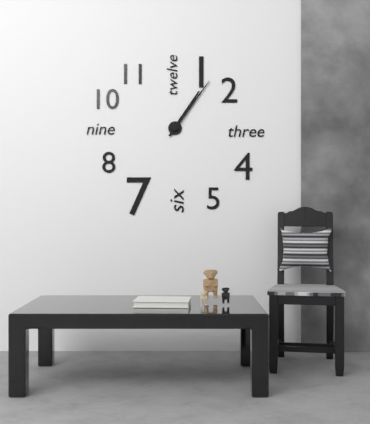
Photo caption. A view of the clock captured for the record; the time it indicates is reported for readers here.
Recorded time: 1:06
